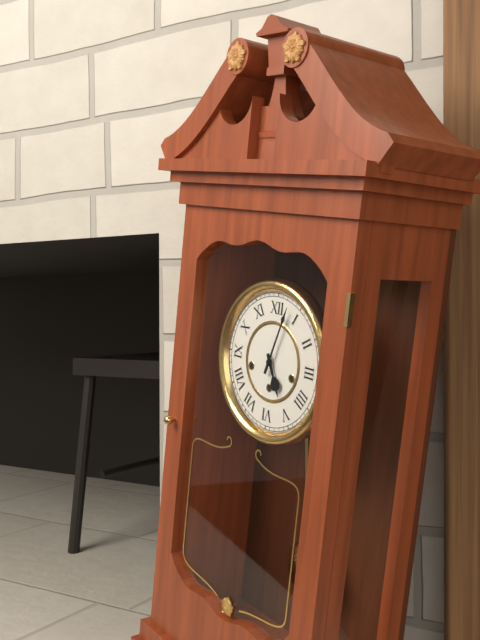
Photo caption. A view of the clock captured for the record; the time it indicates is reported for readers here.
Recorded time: 5:03
